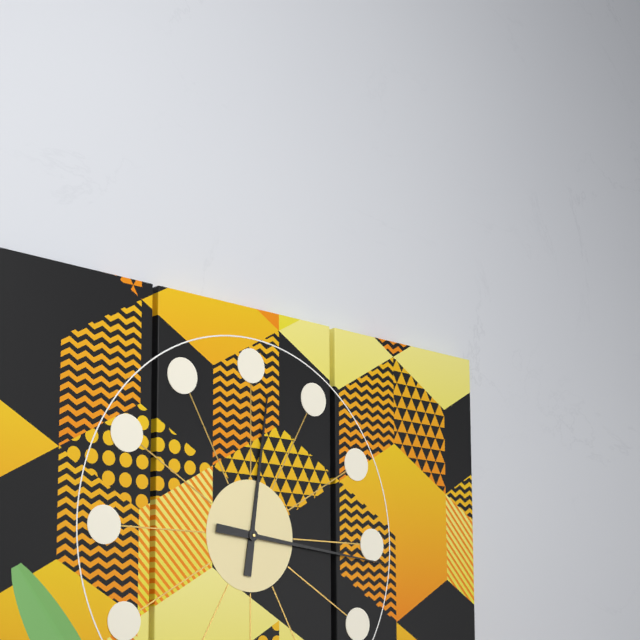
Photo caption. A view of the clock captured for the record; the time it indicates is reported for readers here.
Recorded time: 12:16
